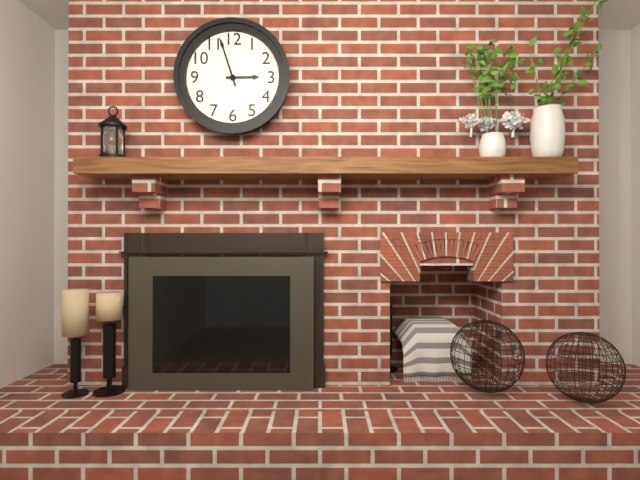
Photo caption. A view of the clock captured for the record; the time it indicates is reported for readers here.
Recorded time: 2:57
